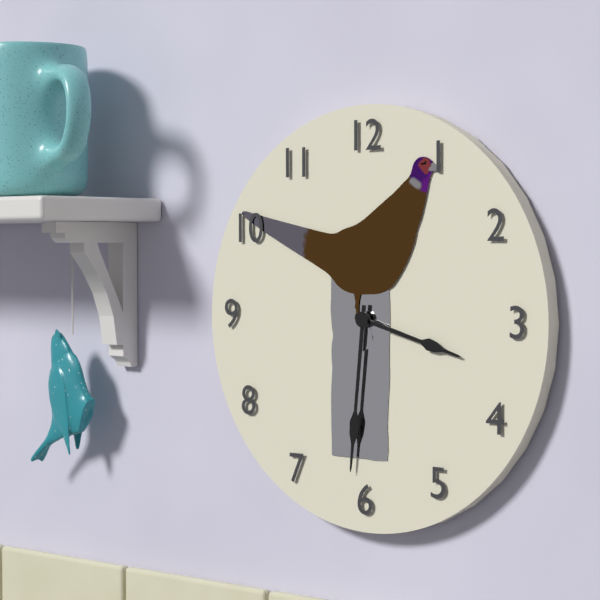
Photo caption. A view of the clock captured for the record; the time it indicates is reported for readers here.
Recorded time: 3:31
